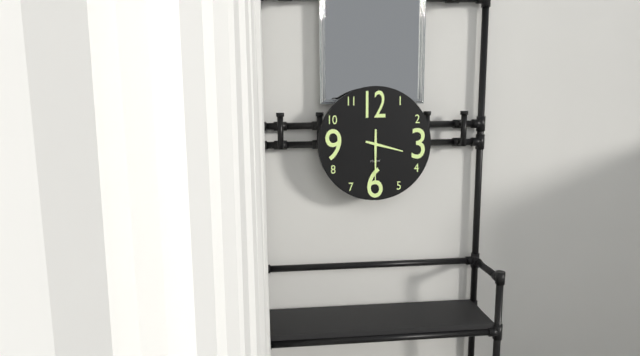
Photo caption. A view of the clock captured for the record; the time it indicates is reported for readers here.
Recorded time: 3:30
